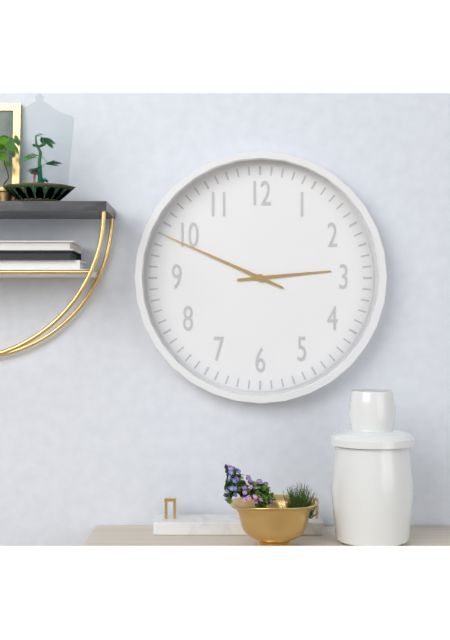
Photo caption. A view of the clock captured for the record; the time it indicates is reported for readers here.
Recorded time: 2:49
